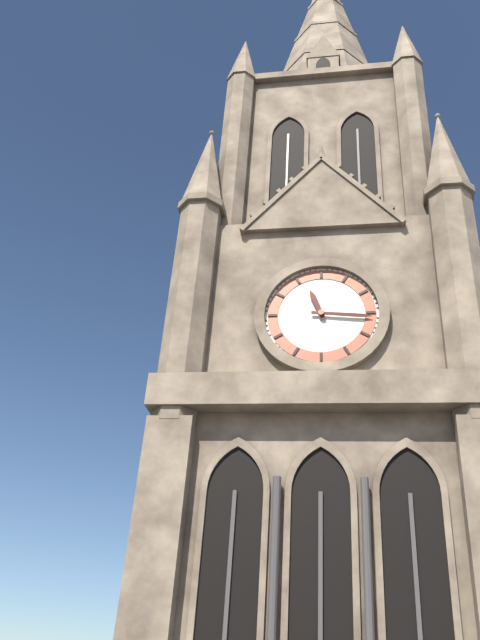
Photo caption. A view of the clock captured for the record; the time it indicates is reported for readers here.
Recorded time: 11:16
